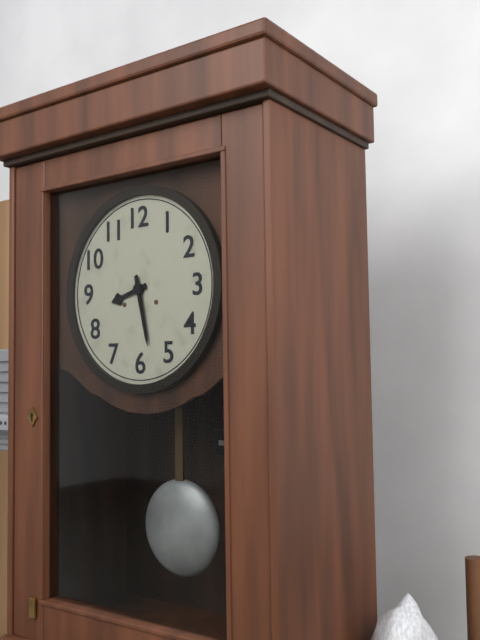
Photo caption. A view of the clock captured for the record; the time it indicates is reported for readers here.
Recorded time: 8:28
